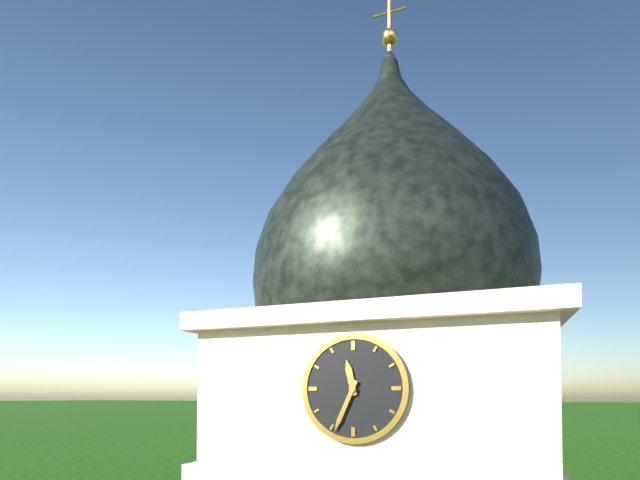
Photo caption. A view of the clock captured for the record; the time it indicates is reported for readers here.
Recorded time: 11:34
